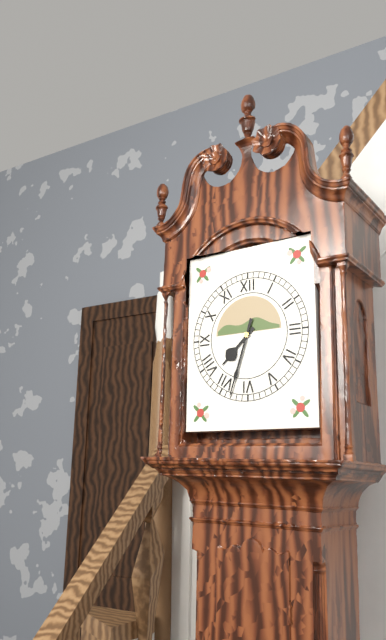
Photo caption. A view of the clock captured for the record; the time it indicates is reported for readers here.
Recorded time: 7:33
